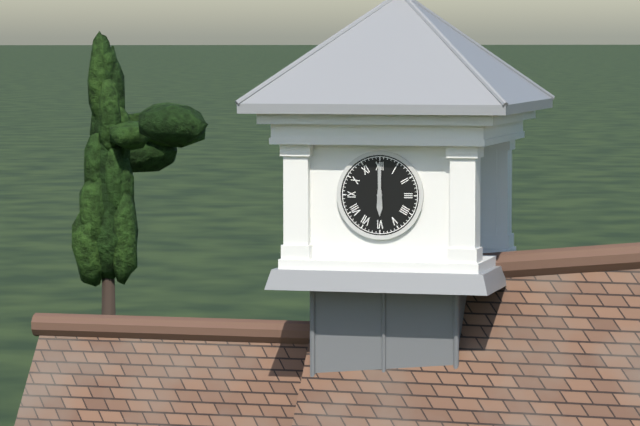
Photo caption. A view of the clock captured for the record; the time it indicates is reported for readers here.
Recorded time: 6:00
